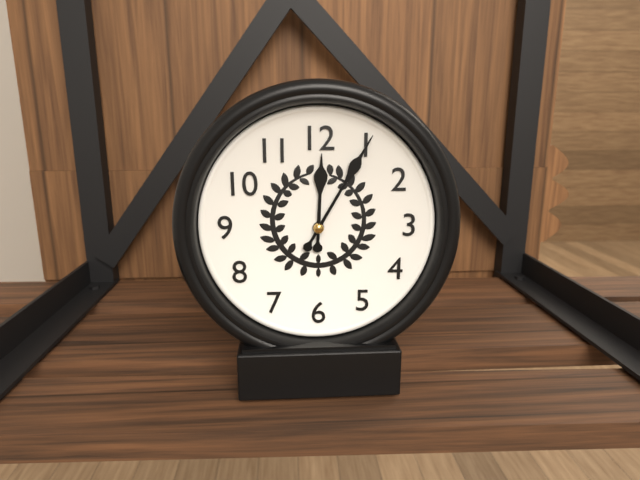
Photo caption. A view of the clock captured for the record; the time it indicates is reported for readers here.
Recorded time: 12:05
